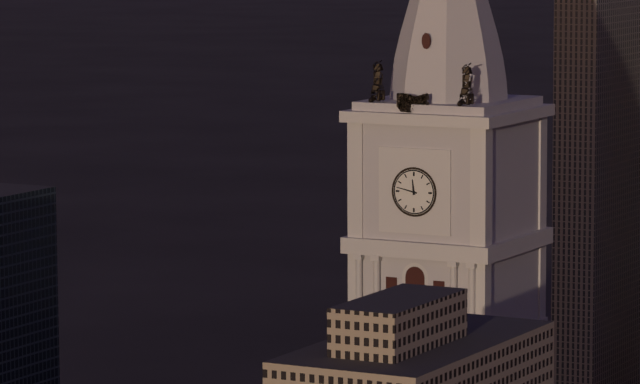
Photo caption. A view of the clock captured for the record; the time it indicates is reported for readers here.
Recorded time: 11:47
